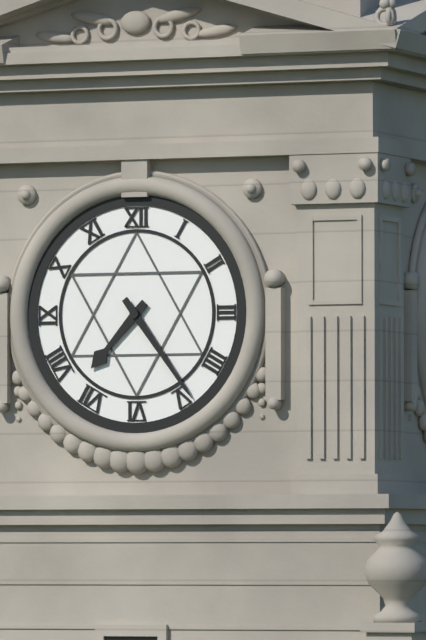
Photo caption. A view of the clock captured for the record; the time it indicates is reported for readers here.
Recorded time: 7:24
